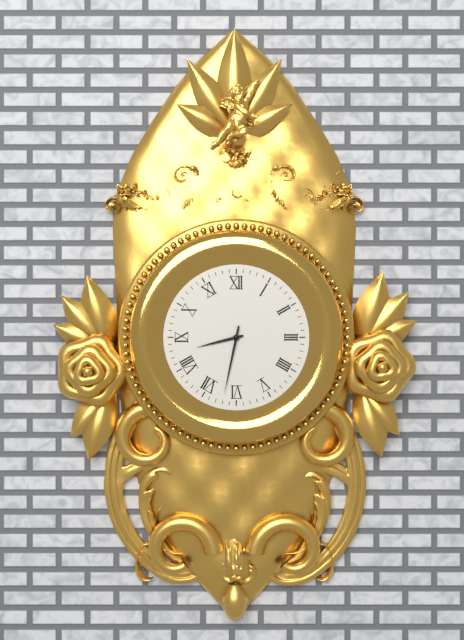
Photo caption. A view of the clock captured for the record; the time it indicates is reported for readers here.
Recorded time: 8:32
